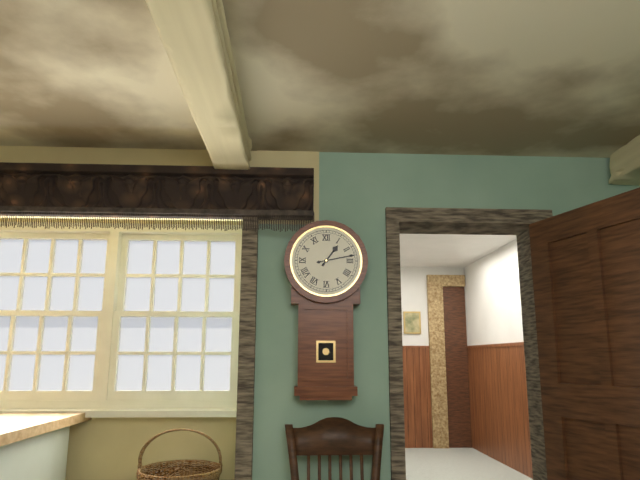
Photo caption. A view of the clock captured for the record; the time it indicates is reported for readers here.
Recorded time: 1:13
